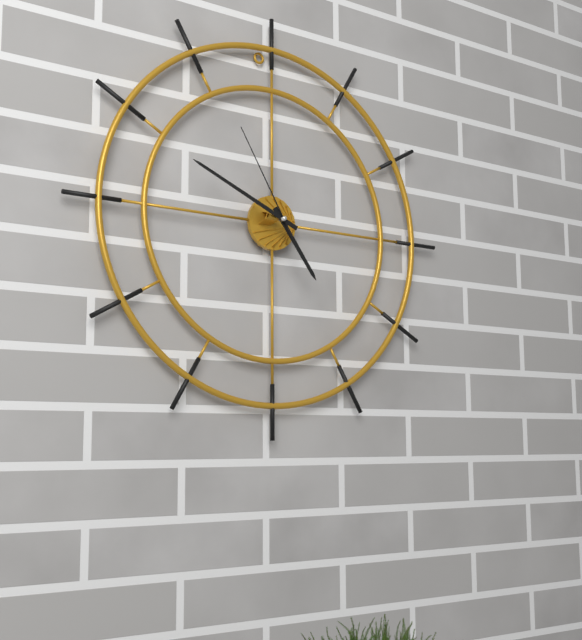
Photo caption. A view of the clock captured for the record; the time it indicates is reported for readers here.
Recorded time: 4:49:55
